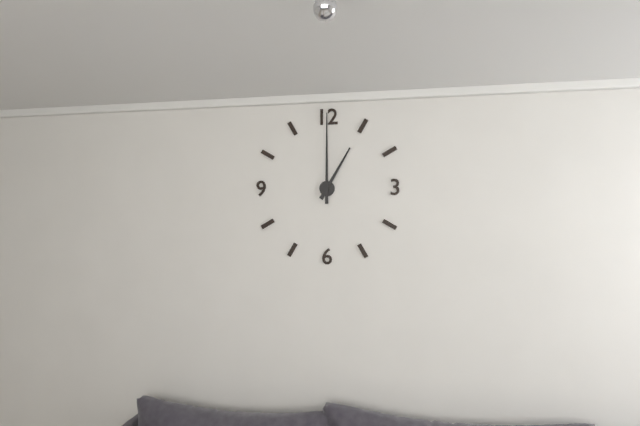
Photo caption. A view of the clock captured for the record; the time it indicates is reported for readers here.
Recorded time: 1:00
